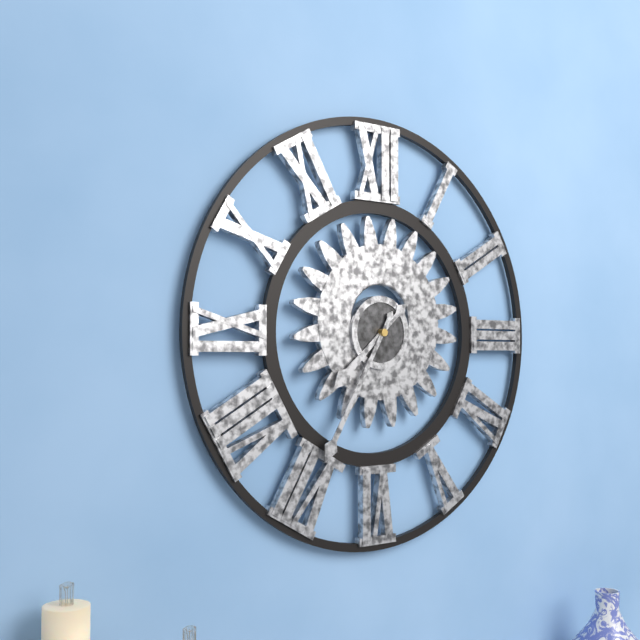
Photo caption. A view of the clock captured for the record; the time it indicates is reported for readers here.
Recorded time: 7:35
